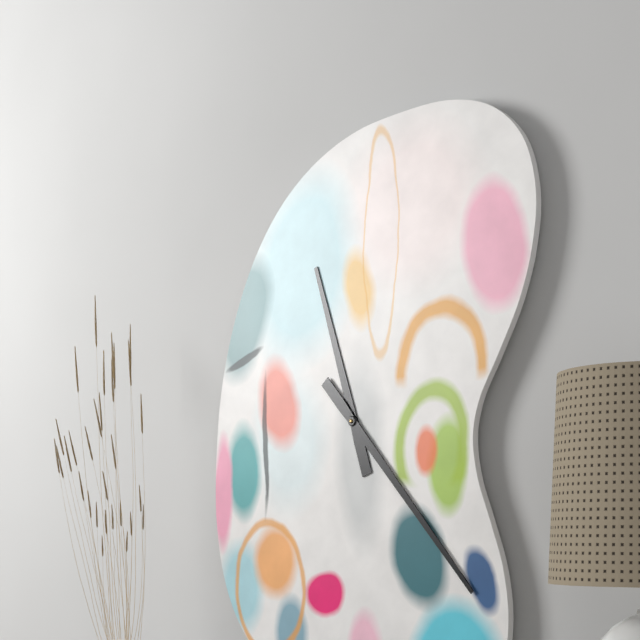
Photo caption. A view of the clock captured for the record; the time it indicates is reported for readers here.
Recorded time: 11:23
